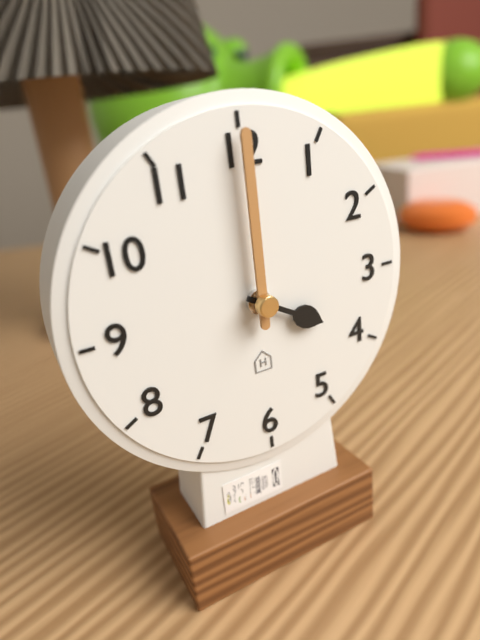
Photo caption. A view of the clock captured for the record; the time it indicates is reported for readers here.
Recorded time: 4:00
